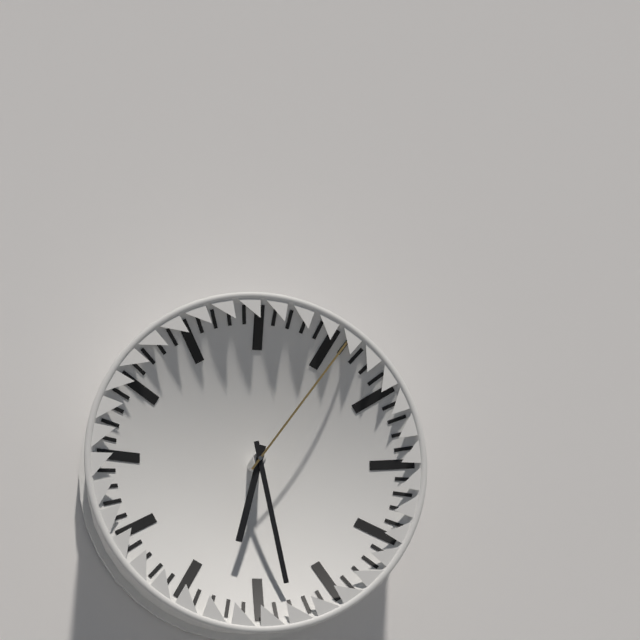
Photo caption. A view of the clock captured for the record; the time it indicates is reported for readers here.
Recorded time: 6:28:06
